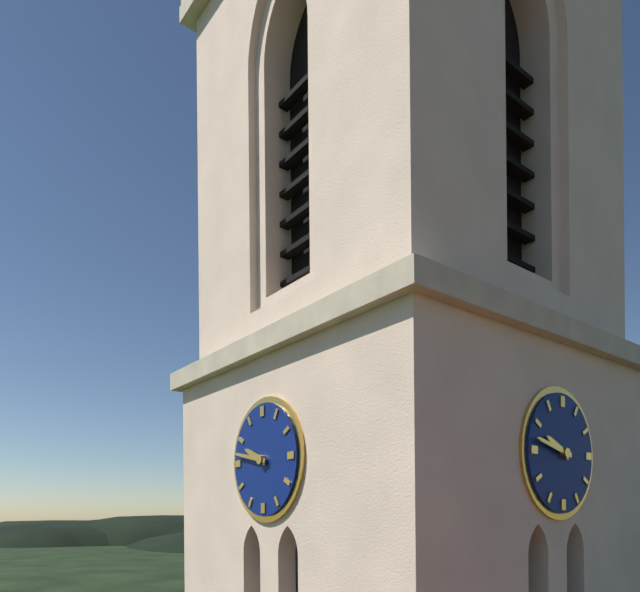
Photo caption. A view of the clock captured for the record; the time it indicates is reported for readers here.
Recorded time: 9:47
